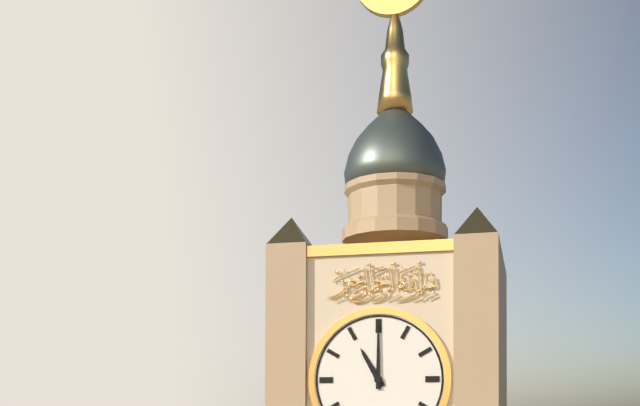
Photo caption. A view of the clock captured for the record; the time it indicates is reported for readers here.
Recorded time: 11:00
